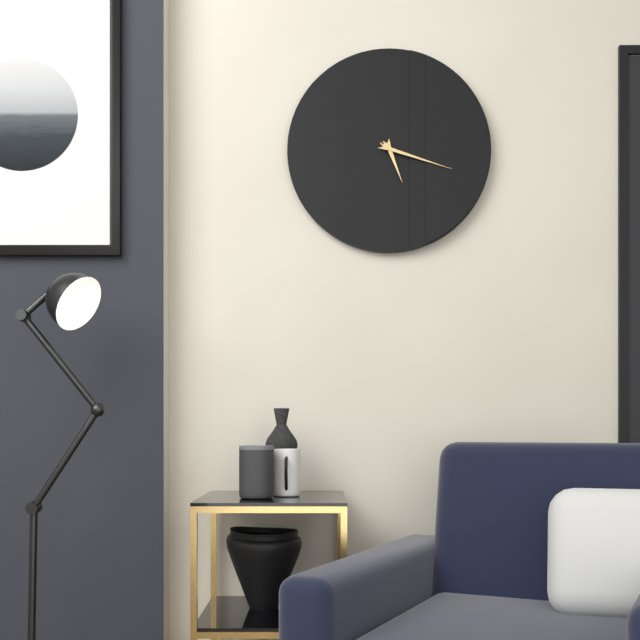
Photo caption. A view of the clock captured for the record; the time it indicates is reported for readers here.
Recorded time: 5:18
